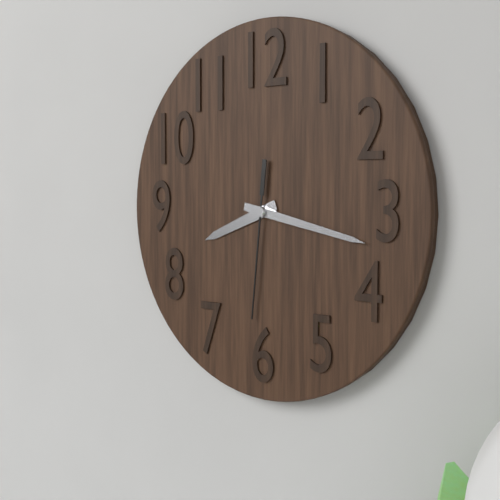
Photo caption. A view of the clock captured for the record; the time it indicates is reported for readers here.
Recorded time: 8:17:31
